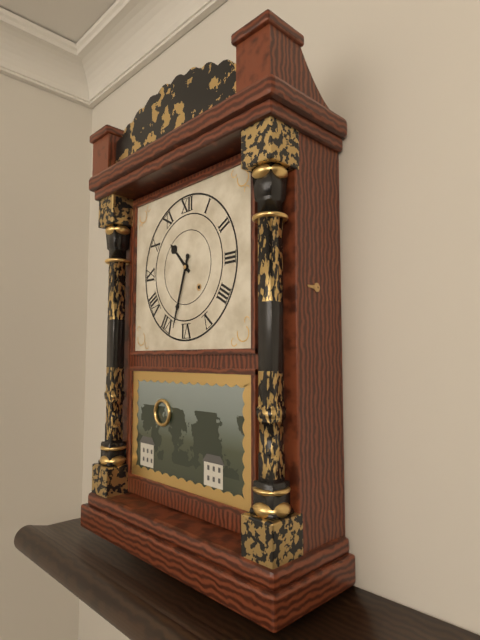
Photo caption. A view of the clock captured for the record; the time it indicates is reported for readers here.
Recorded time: 10:33
